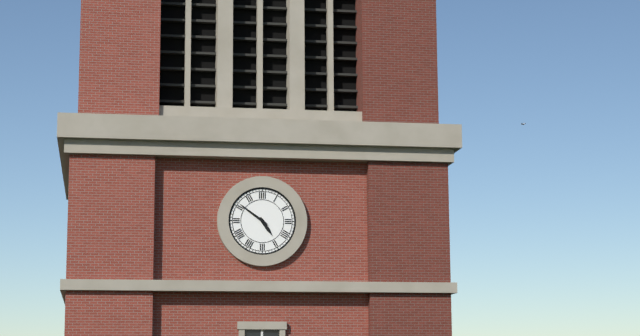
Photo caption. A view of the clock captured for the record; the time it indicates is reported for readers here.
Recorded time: 4:51
